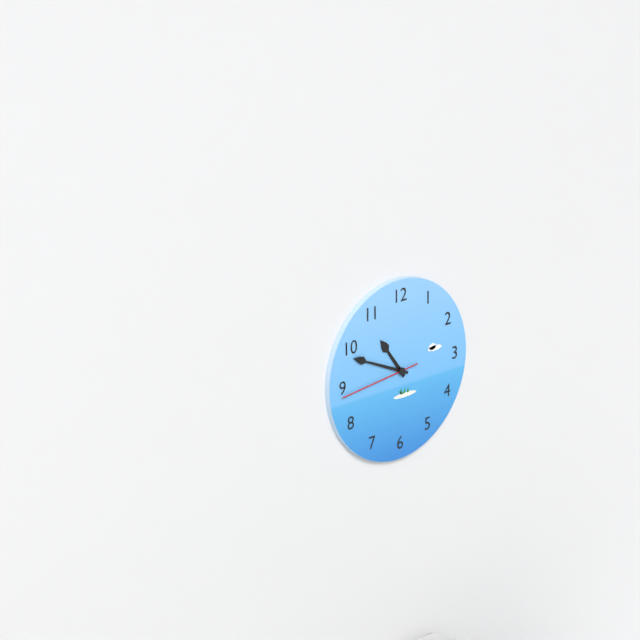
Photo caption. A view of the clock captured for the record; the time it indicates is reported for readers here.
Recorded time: 10:49:44
